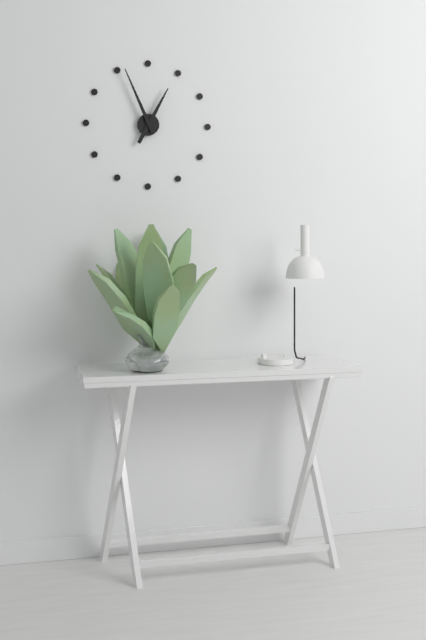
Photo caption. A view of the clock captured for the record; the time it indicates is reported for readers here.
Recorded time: 12:56
